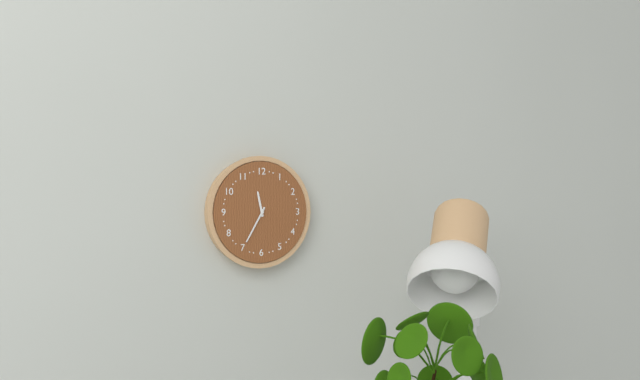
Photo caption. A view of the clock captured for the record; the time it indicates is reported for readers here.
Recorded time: 11:35
